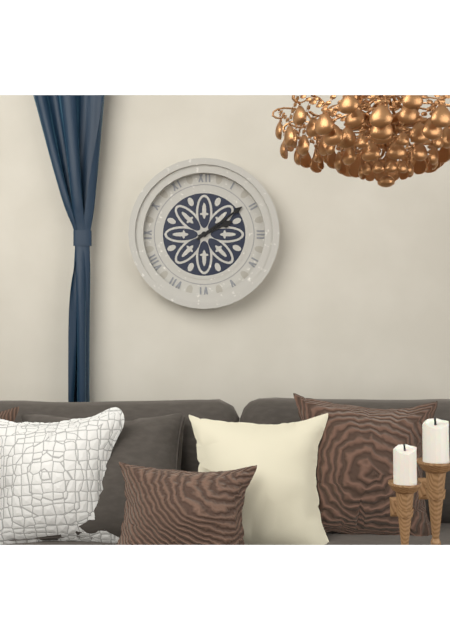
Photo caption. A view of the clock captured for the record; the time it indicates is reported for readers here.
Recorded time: 2:09
